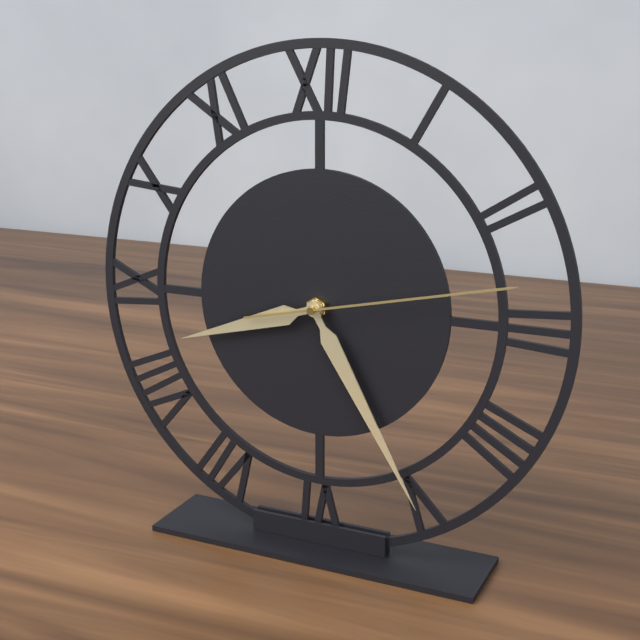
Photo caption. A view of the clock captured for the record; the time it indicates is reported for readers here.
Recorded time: 8:25:13
